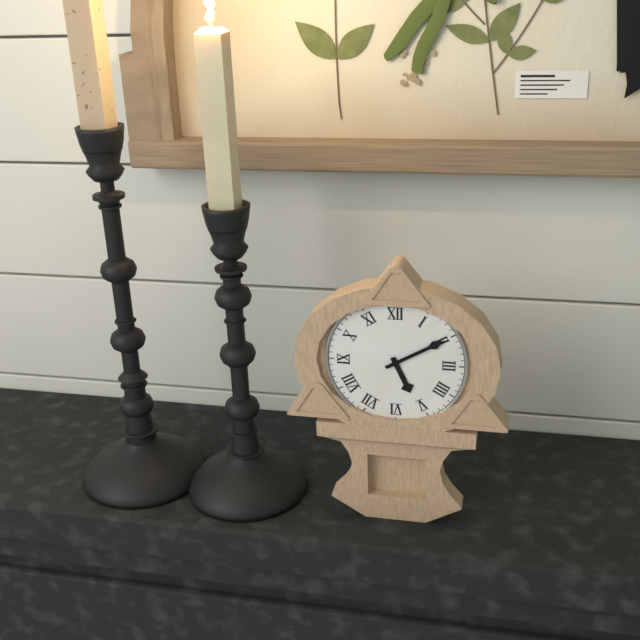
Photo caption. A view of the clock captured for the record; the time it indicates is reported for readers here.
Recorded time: 5:10
